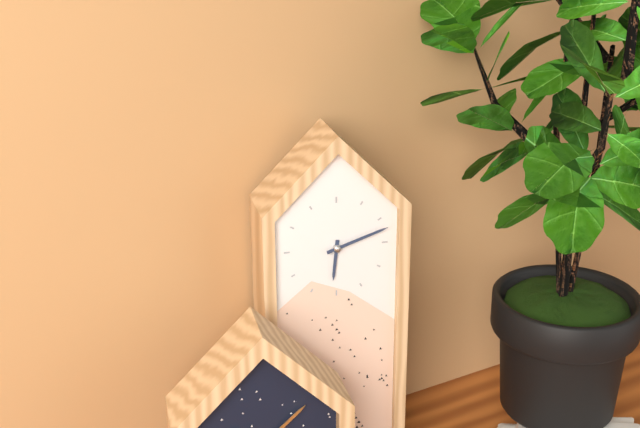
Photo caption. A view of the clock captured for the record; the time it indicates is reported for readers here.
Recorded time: 6:12
